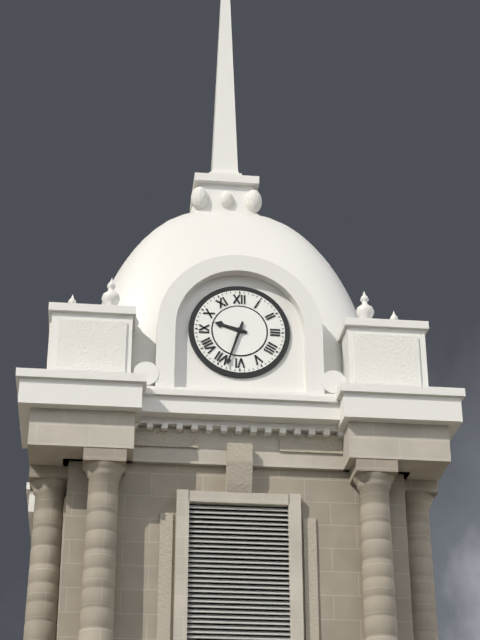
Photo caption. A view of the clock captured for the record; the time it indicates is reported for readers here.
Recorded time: 9:33
